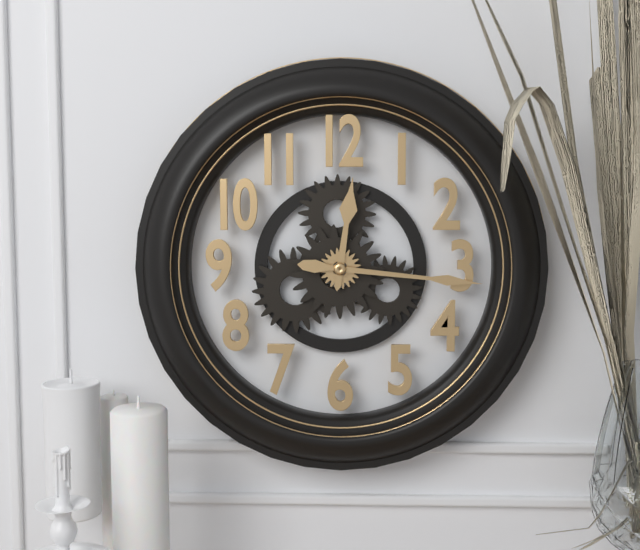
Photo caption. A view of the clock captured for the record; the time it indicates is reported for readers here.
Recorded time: 12:16
